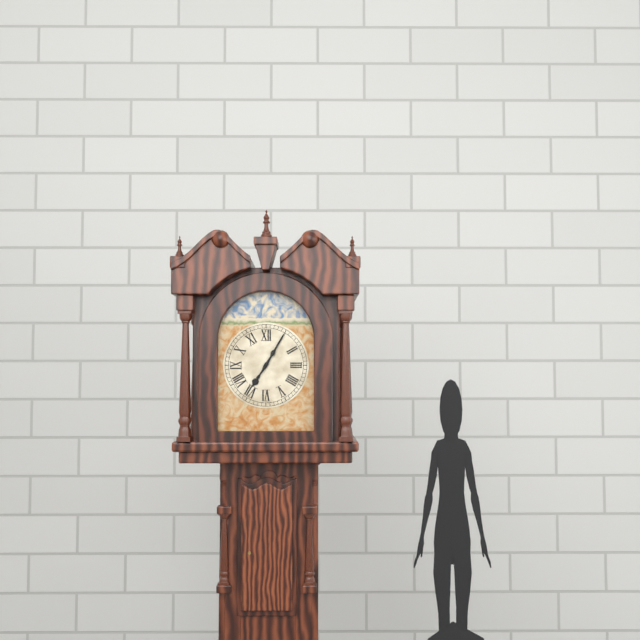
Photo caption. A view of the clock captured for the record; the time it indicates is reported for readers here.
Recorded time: 7:05
